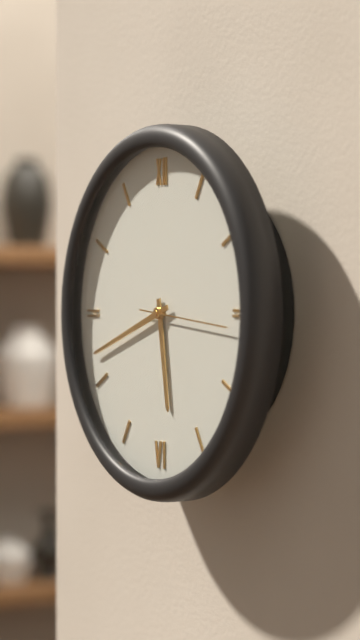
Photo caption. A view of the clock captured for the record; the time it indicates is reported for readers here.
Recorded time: 5:42
